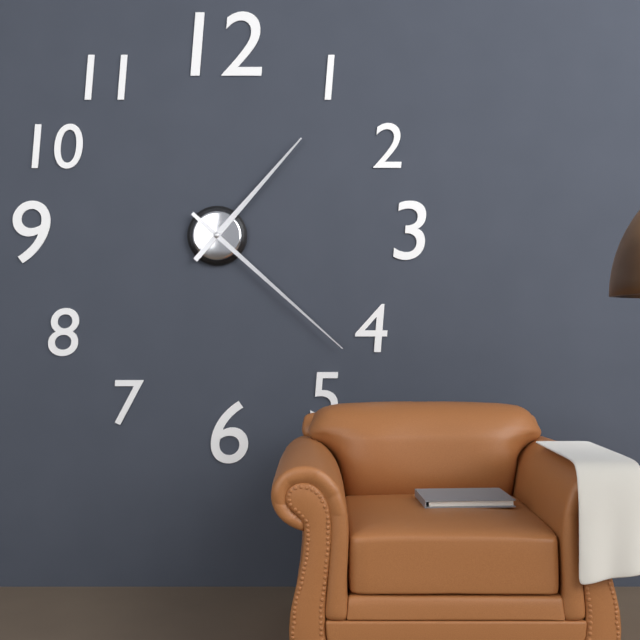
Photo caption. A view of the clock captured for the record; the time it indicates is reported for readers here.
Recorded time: 1:22
